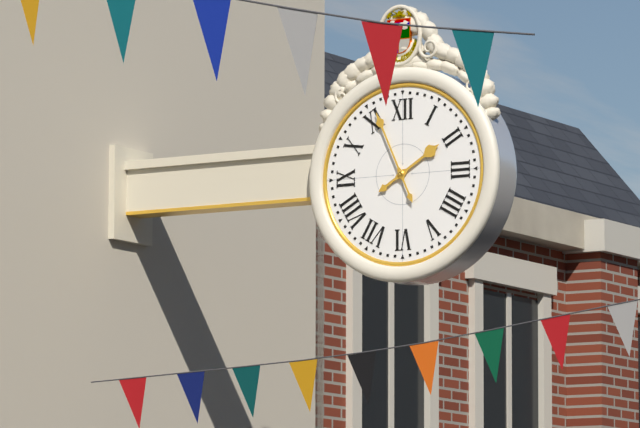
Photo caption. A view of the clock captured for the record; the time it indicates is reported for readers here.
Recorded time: 1:56
